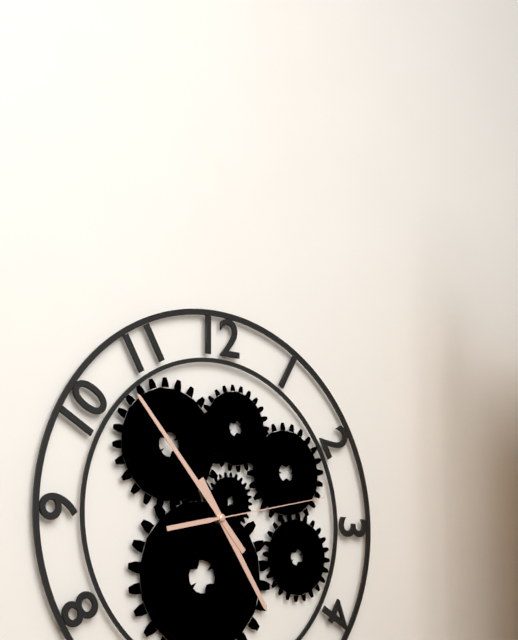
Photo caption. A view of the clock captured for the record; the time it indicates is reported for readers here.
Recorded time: 4:53:13
